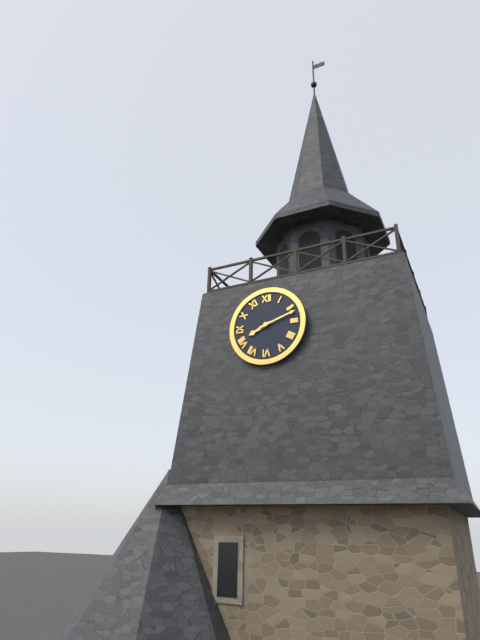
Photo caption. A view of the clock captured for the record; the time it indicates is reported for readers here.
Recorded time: 8:12
